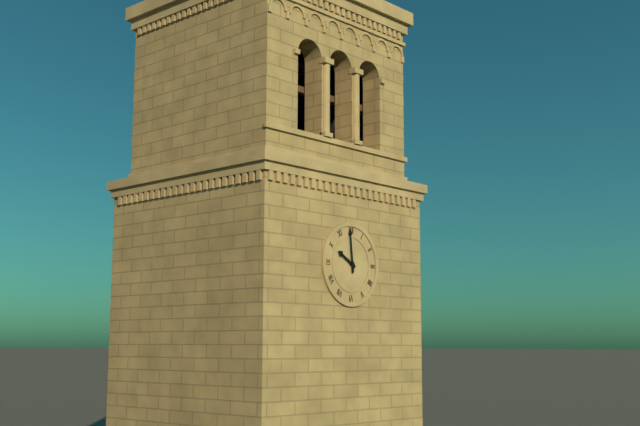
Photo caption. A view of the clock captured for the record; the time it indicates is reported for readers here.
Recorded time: 9:59
